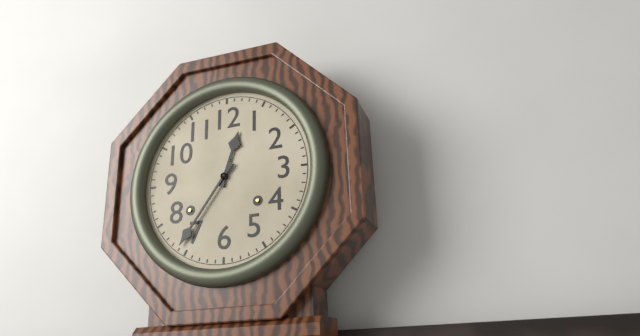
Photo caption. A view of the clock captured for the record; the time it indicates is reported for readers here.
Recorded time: 12:36
